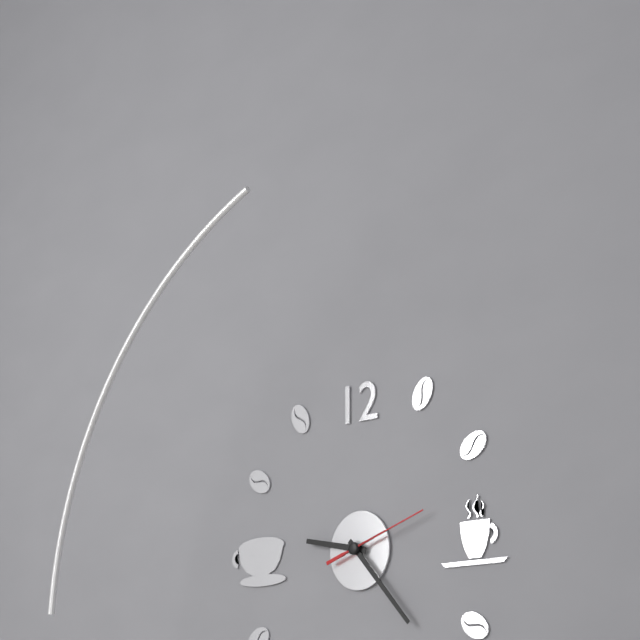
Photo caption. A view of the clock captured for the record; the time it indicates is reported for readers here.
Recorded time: 9:23:12
